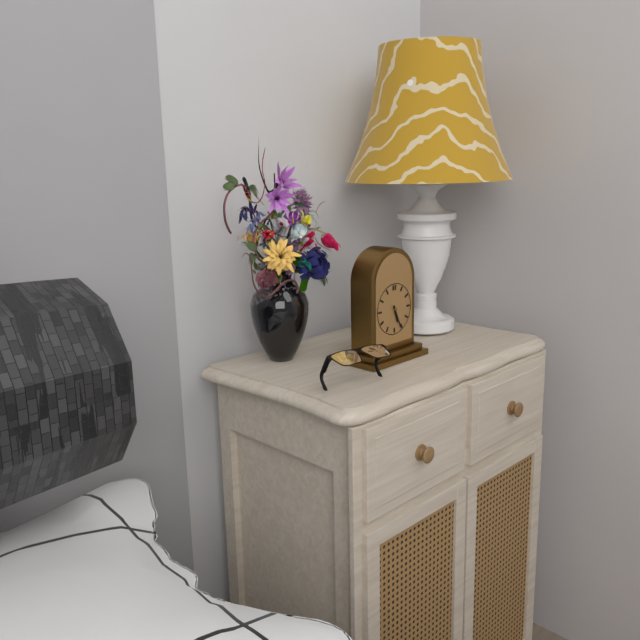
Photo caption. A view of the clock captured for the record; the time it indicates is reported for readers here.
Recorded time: 5:26
